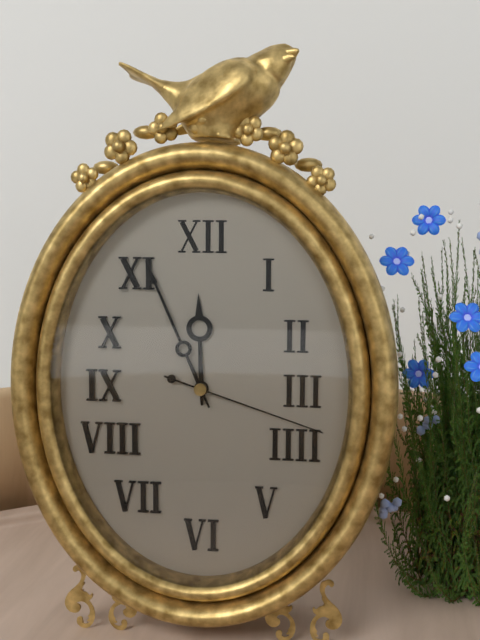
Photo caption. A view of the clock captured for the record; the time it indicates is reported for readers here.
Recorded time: 11:56:18
